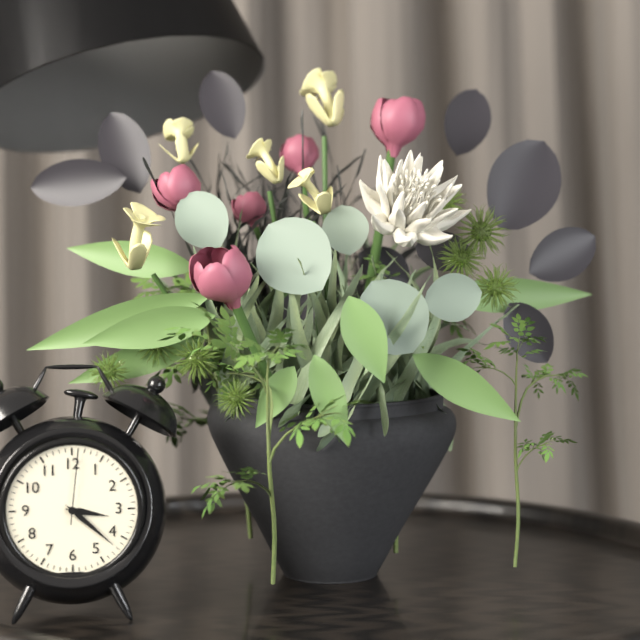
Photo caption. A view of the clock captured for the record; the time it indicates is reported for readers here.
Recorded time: 3:22:01
